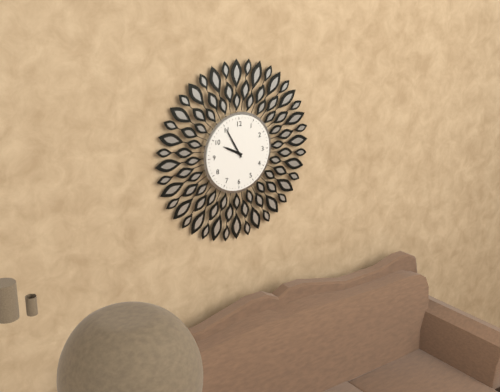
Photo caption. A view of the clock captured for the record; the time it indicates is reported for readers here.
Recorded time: 9:55
